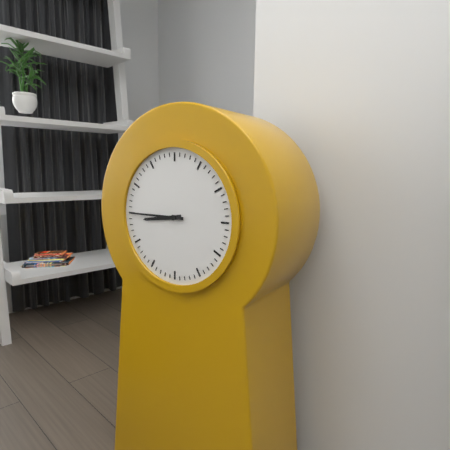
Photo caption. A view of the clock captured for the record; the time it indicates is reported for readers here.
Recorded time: 8:45
